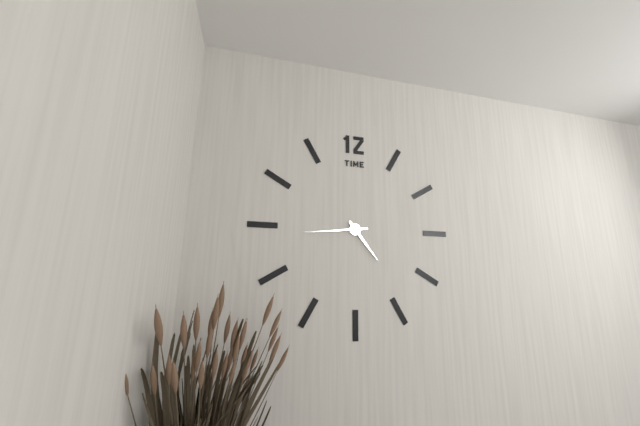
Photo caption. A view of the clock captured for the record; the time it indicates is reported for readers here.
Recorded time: 4:44
